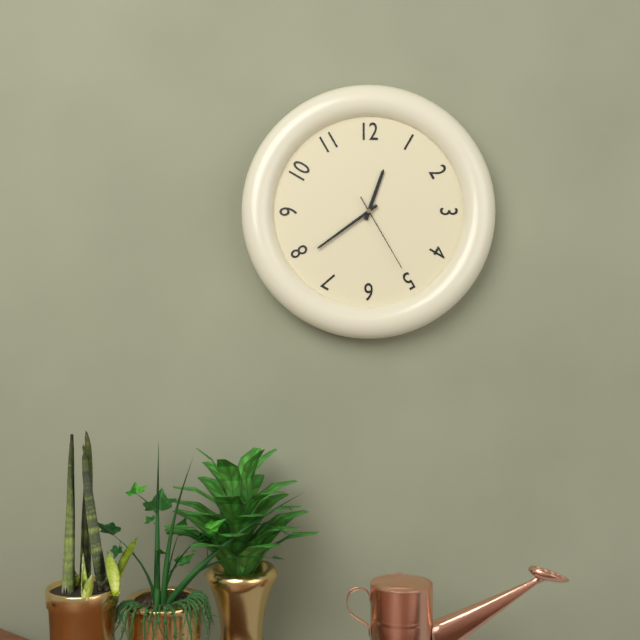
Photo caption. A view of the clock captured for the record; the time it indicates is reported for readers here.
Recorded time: 12:39:25
